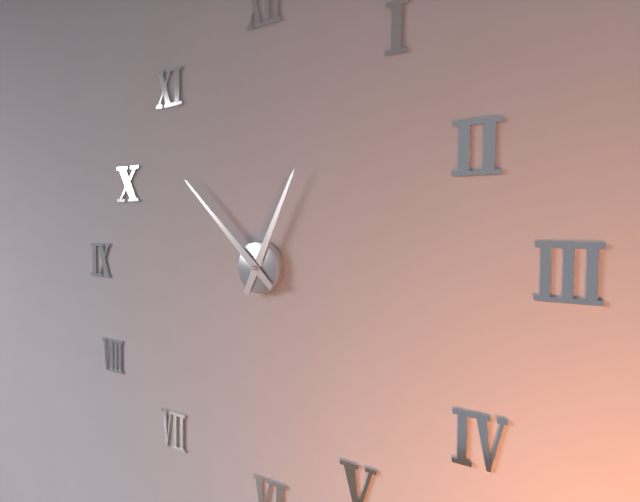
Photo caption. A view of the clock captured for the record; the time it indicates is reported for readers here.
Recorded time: 12:52
